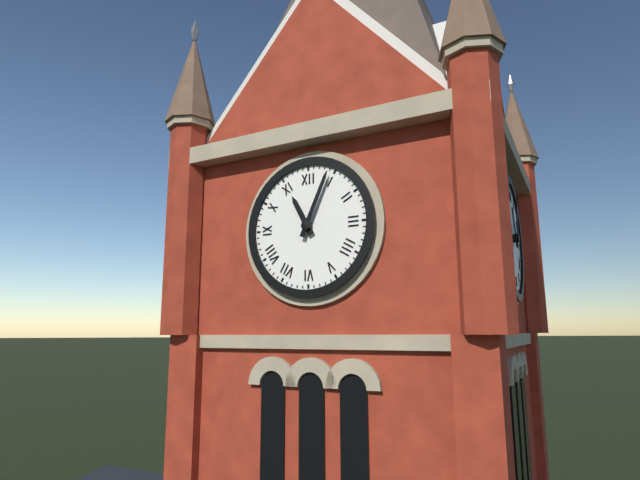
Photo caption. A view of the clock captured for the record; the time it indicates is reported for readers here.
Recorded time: 11:04
